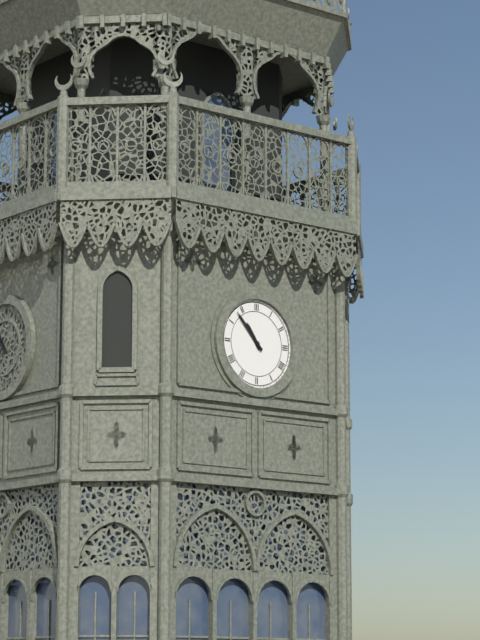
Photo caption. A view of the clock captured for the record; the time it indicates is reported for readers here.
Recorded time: 10:53
